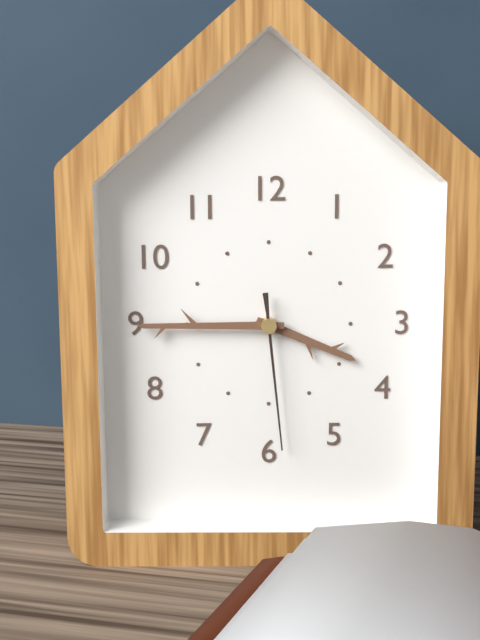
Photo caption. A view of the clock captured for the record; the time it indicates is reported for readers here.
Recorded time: 3:45:29
